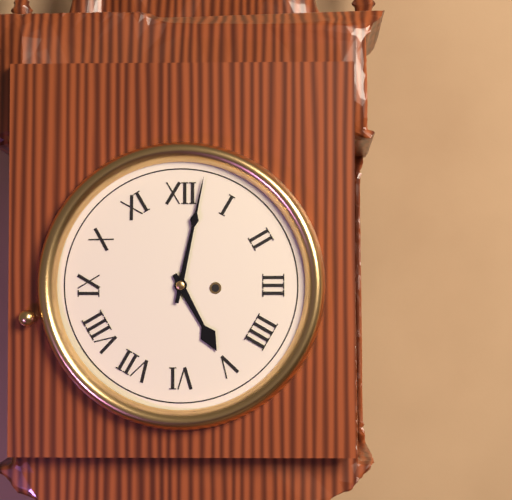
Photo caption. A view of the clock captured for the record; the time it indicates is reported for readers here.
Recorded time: 5:02
